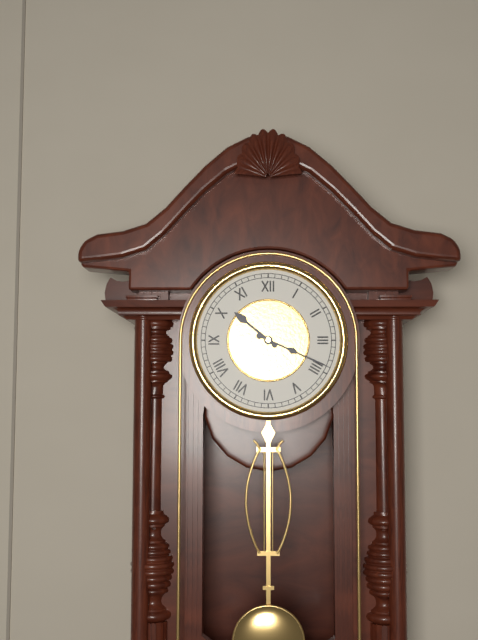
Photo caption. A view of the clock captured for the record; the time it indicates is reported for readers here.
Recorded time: 10:19
